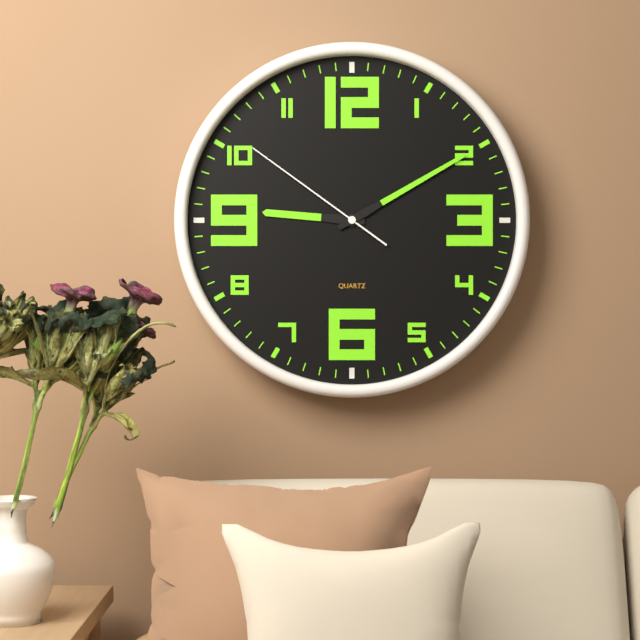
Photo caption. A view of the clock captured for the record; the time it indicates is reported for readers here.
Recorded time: 9:10:51
